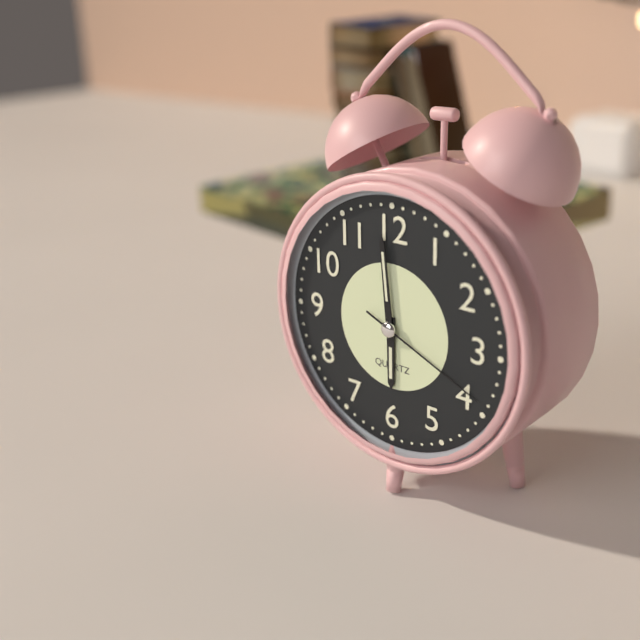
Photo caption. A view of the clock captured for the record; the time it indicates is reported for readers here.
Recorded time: 5:59:19
